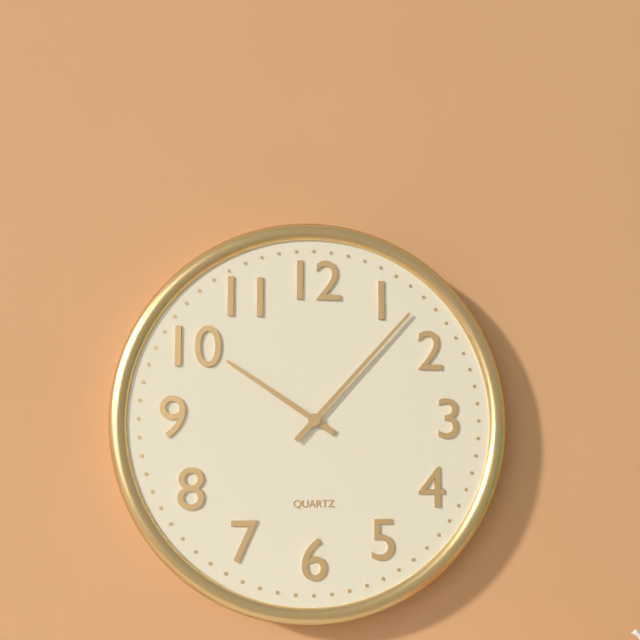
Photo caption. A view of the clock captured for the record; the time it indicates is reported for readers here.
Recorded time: 10:07
